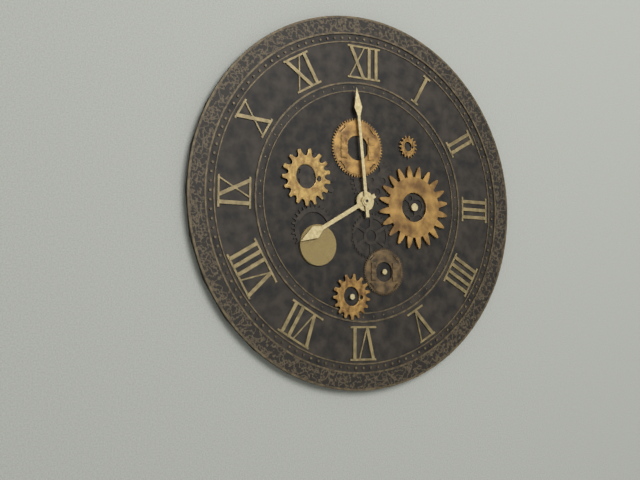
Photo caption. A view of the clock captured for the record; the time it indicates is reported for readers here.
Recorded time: 7:59
